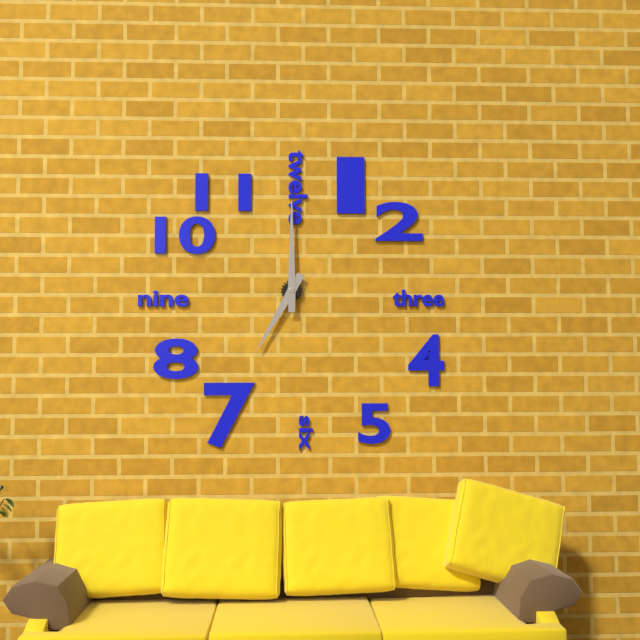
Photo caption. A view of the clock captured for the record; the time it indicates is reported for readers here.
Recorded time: 7:00
